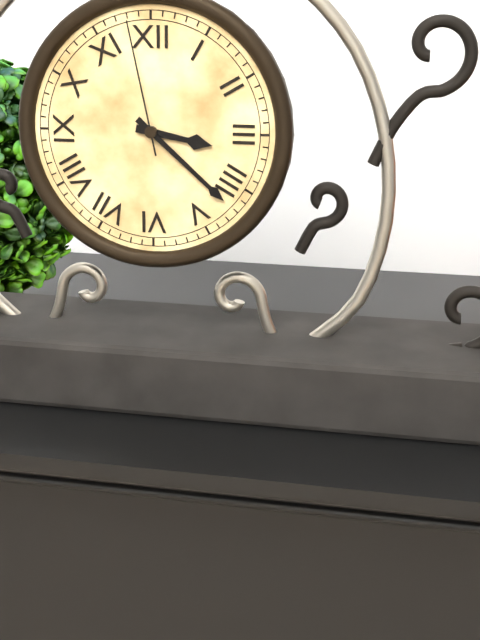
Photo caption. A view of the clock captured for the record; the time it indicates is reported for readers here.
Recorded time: 3:22:58
